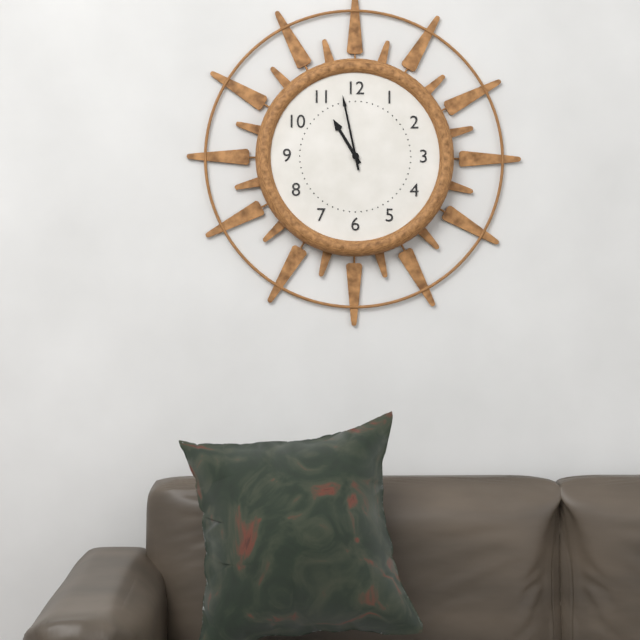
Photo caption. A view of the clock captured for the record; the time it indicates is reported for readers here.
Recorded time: 10:58
